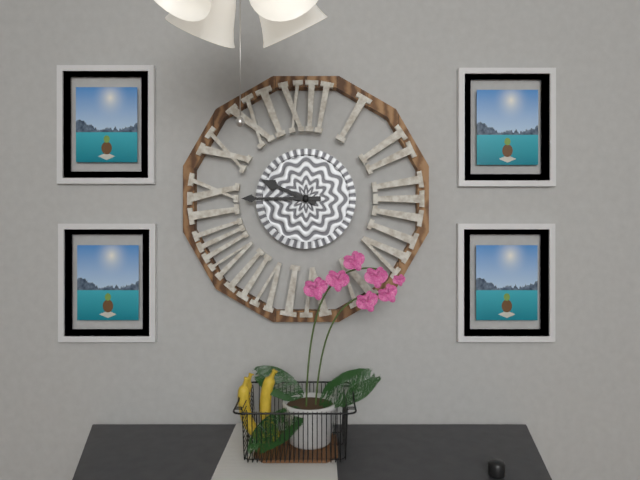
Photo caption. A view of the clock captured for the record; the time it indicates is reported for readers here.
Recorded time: 9:45
